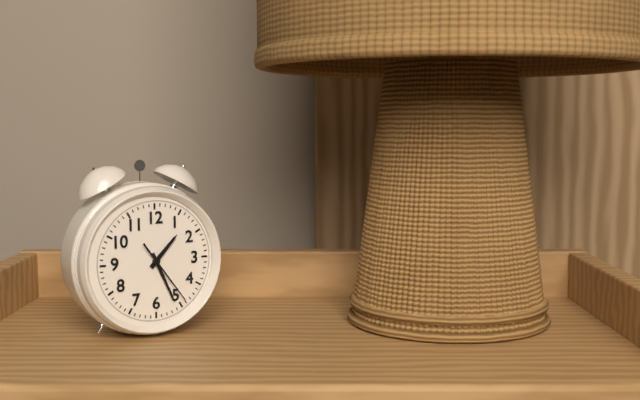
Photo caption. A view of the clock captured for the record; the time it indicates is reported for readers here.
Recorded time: 1:26:24
